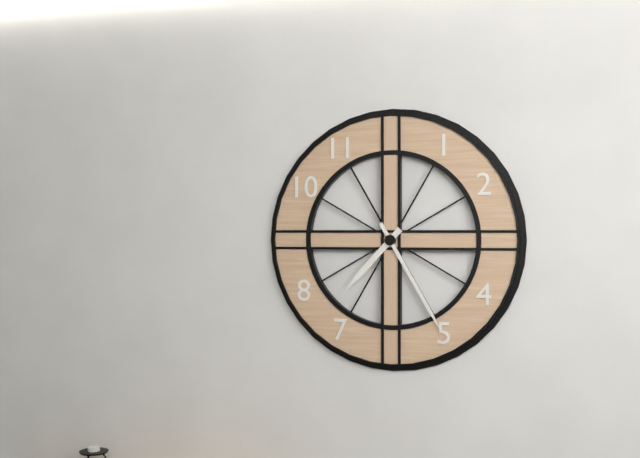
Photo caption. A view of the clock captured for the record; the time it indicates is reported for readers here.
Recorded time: 7:25
